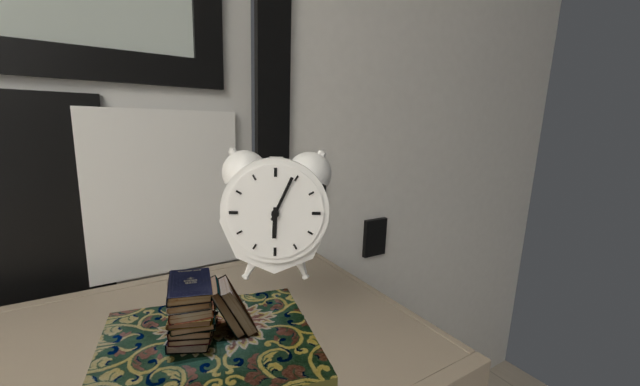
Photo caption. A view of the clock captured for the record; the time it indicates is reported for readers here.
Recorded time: 6:04
